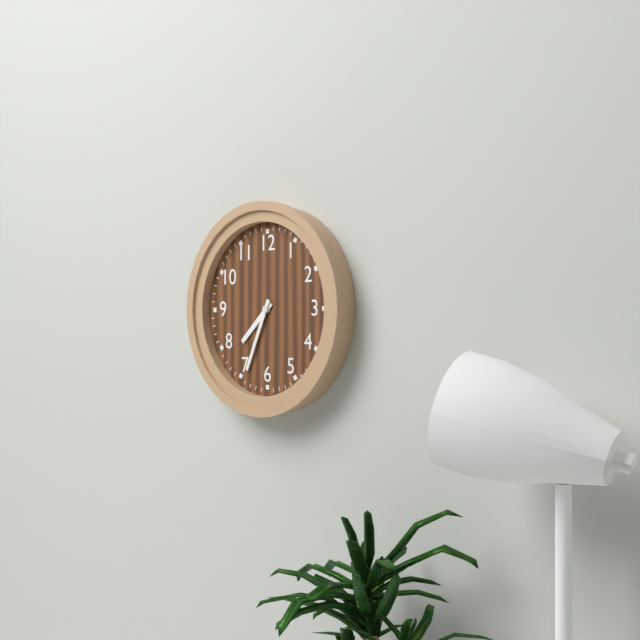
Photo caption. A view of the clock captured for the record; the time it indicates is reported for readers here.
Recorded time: 7:34
